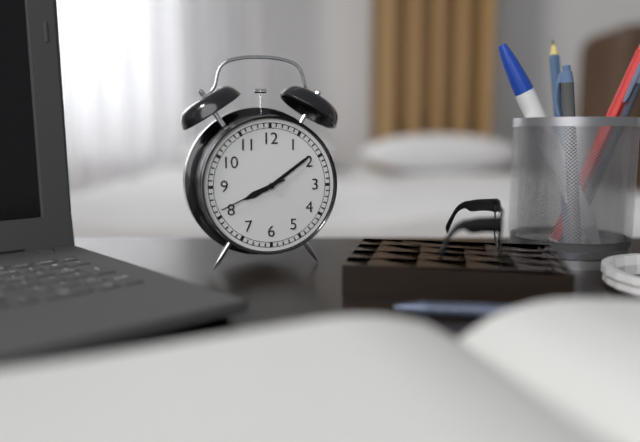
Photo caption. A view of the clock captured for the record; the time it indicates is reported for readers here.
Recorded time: 8:09:41
